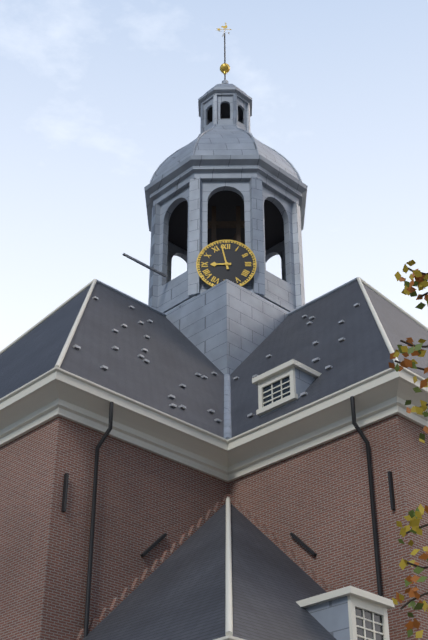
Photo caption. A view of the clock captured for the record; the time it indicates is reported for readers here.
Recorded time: 8:58
